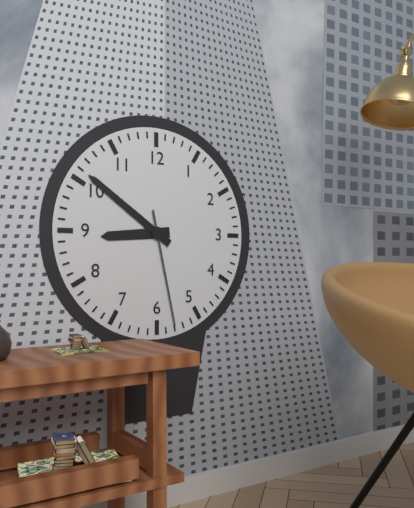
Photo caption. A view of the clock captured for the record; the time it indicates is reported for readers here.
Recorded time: 8:51:28
